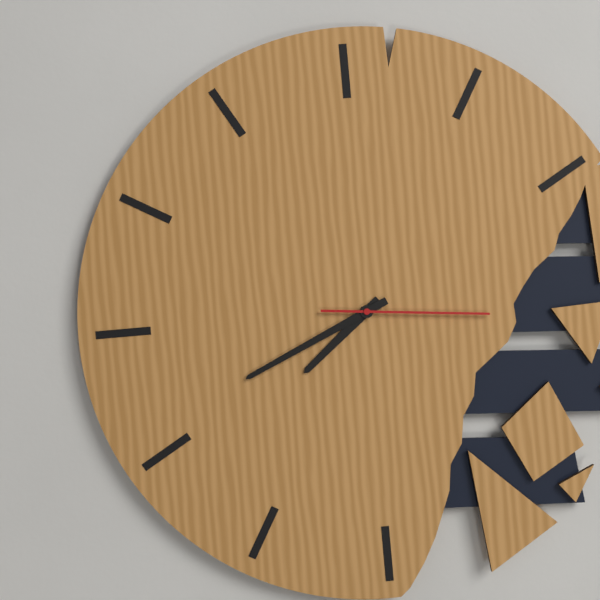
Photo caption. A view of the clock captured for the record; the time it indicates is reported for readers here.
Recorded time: 7:41:16
